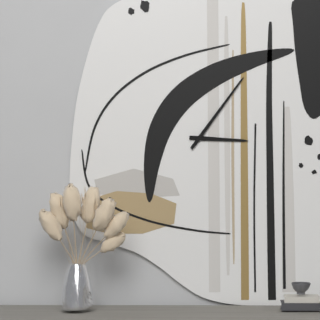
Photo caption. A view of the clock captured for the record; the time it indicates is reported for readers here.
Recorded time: 3:06
